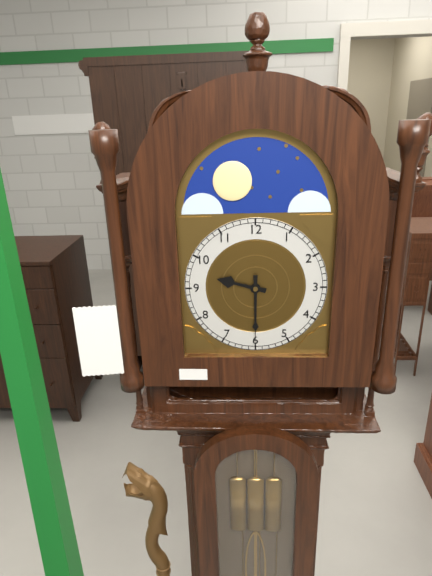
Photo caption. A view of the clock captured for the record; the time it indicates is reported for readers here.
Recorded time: 9:30
